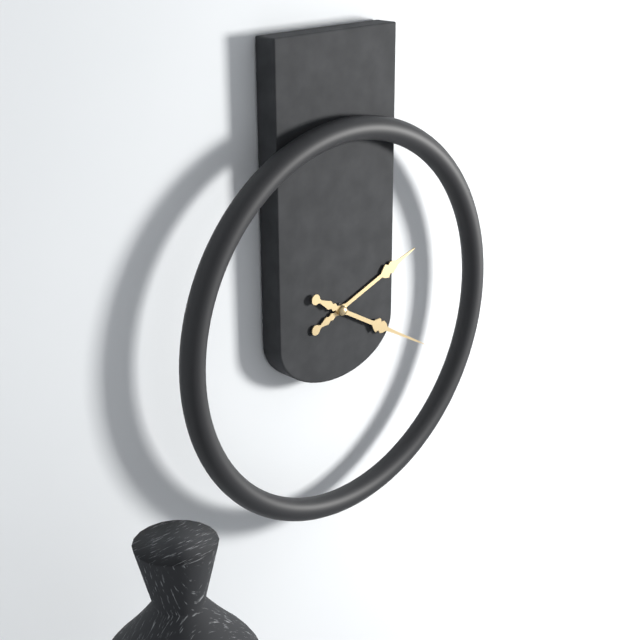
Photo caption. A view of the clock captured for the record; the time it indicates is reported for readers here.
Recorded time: 2:20
